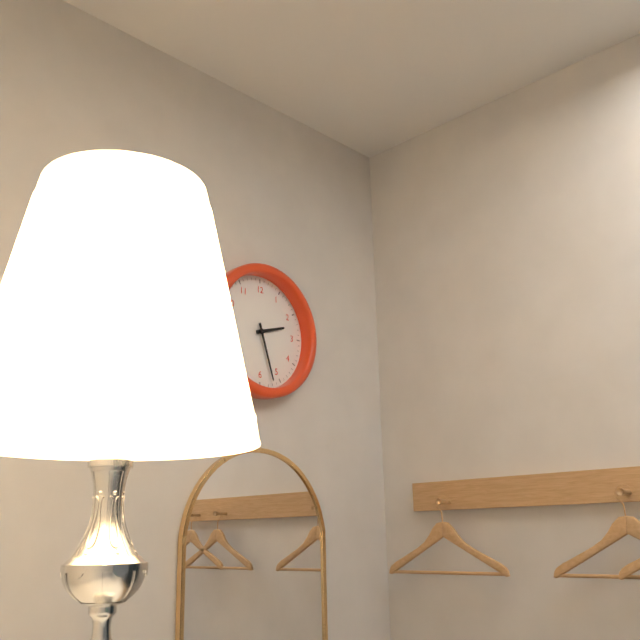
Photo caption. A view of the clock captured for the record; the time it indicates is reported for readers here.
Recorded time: 2:27
